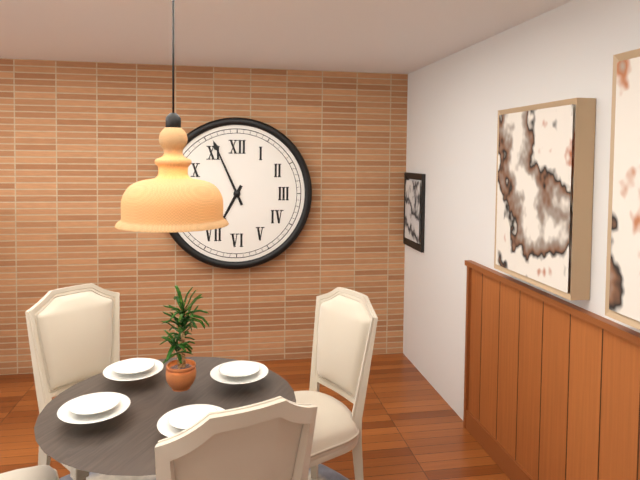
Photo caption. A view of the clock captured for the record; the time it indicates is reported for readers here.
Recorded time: 6:56
